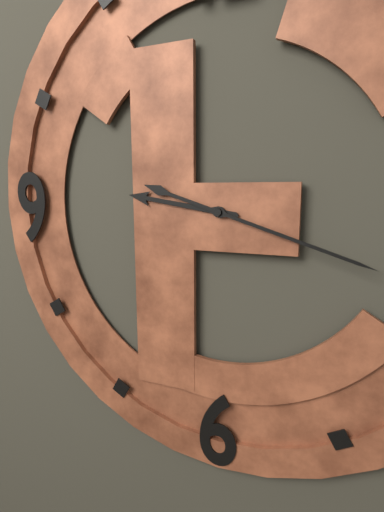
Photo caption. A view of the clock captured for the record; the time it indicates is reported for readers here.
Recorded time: 9:18
